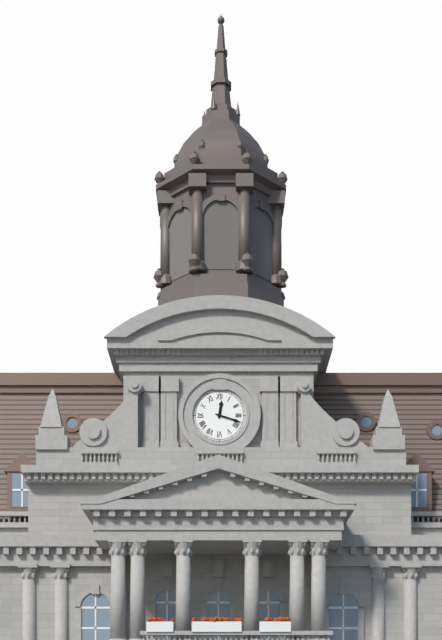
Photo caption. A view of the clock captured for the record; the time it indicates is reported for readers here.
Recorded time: 12:18
